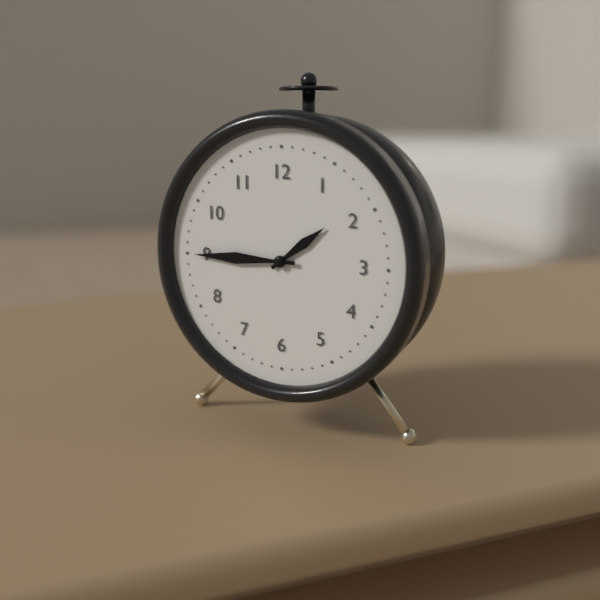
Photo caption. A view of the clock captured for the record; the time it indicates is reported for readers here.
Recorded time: 1:45
